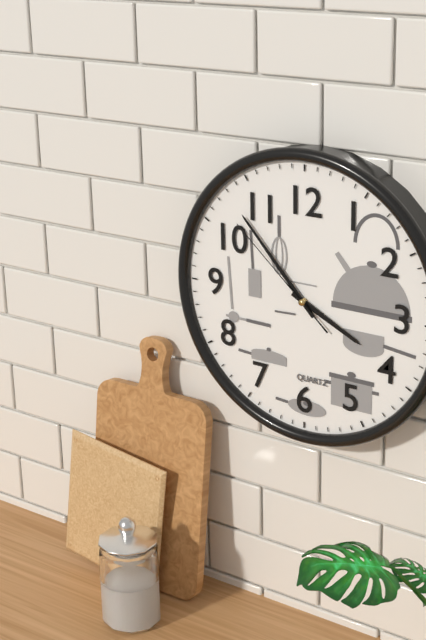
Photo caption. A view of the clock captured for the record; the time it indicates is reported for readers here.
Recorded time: 3:53:52
